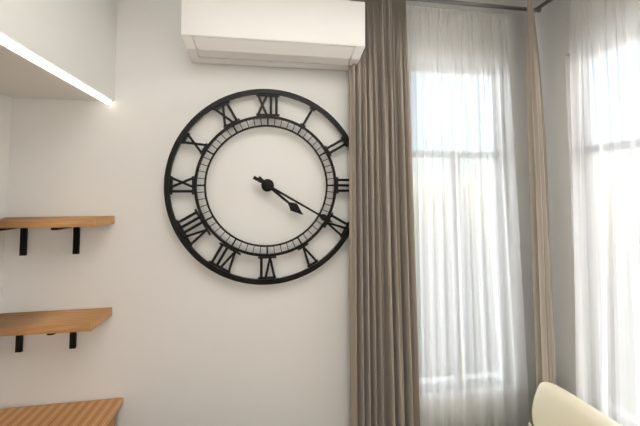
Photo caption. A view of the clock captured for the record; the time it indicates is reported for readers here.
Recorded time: 4:20
